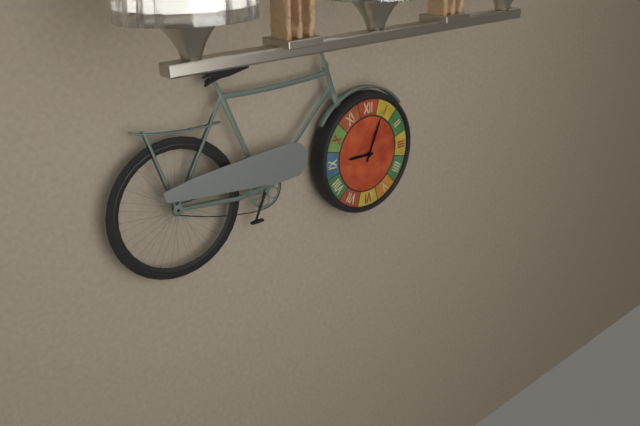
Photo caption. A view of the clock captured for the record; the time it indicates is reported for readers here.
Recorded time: 9:04
